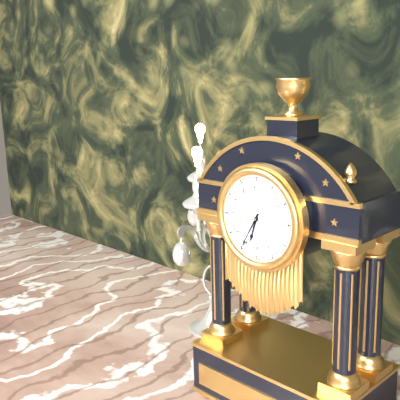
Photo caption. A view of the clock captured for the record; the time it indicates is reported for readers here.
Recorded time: 6:35
